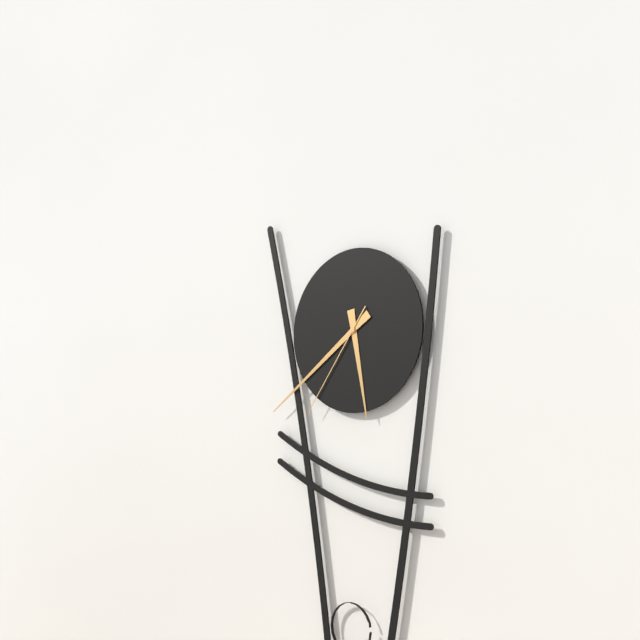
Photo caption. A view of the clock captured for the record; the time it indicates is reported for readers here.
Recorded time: 5:39:36
